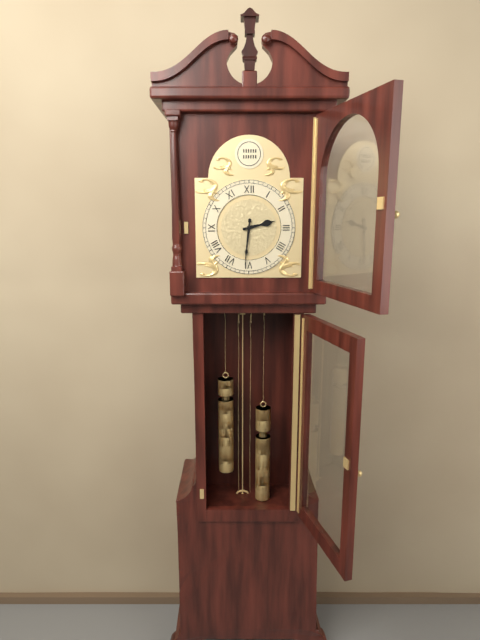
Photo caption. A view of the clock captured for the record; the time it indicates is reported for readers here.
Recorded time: 2:31
